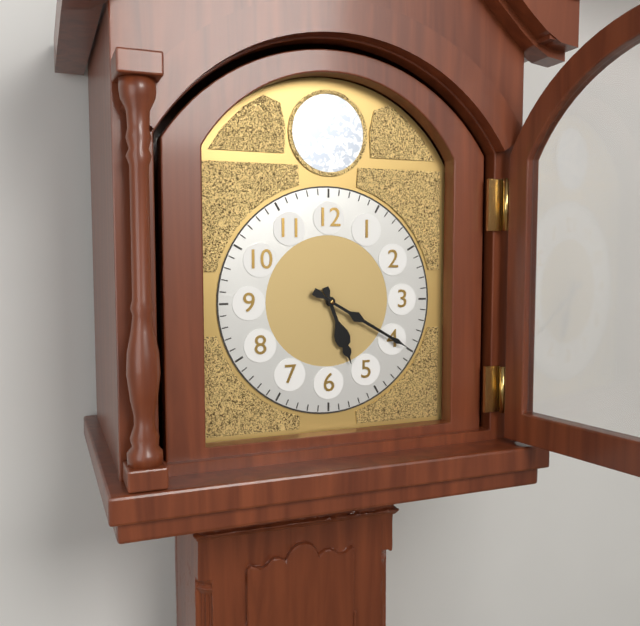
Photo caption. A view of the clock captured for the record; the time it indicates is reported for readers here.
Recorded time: 5:20
